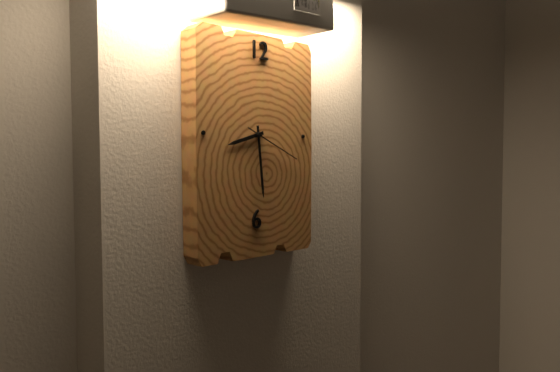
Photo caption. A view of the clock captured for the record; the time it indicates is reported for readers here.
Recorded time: 8:29:19
